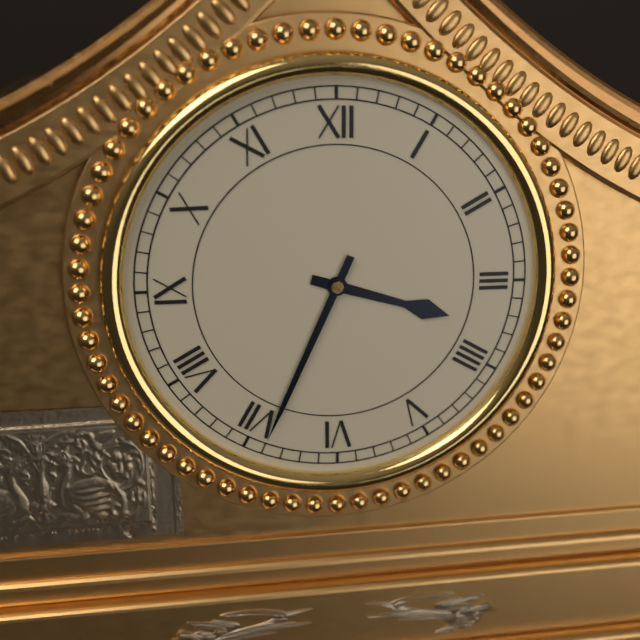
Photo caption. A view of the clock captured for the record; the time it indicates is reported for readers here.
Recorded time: 3:34
